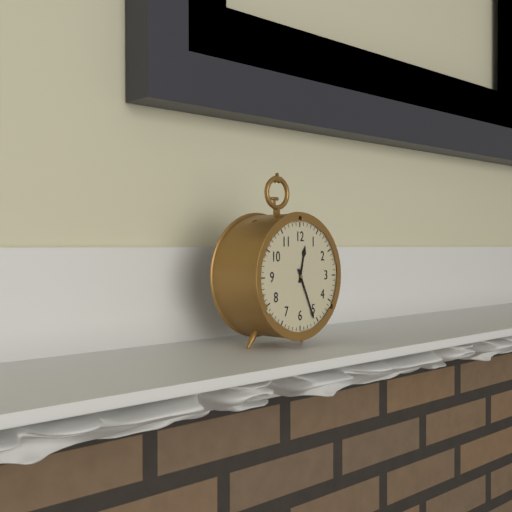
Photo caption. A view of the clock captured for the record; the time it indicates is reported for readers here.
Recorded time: 12:26
